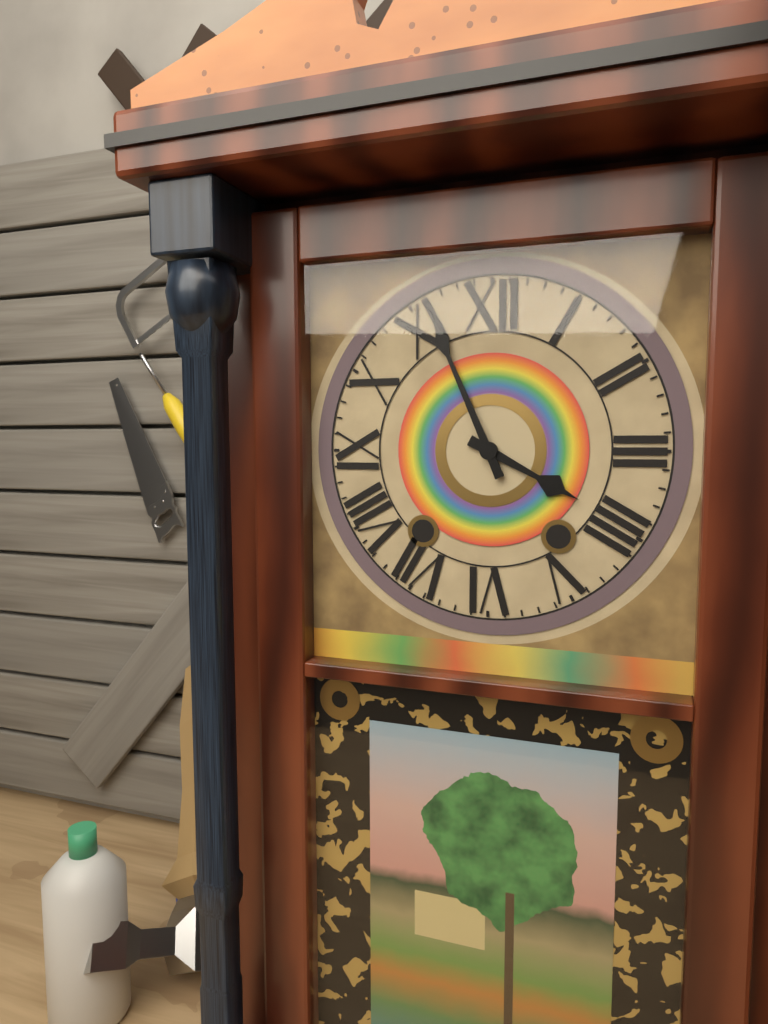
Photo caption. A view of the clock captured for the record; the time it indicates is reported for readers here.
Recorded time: 3:56
